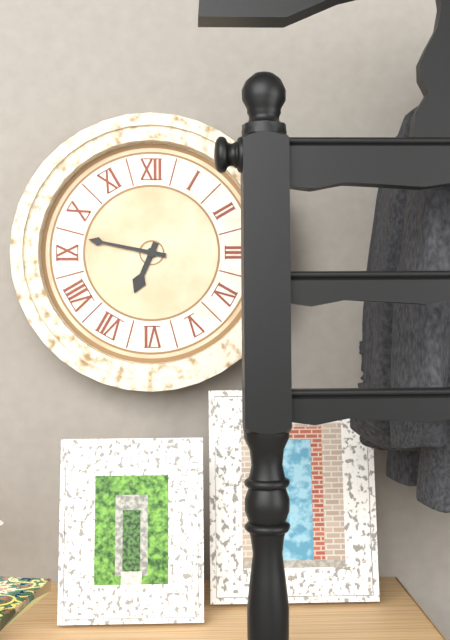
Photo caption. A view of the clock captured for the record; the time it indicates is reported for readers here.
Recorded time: 6:47
